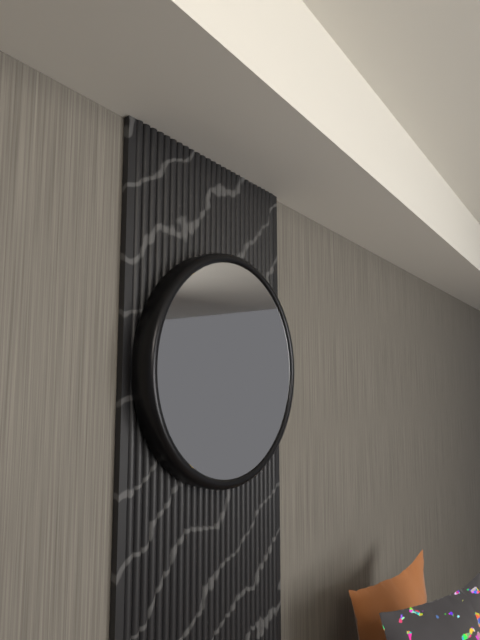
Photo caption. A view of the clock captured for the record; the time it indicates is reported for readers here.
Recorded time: 2:02
